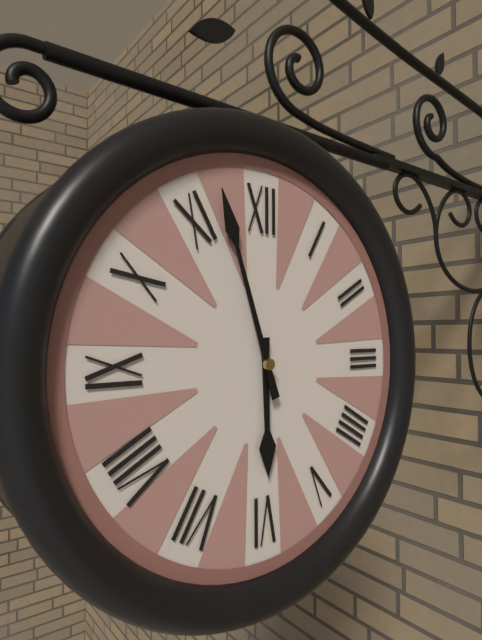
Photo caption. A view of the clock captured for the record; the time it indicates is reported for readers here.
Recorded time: 5:57
